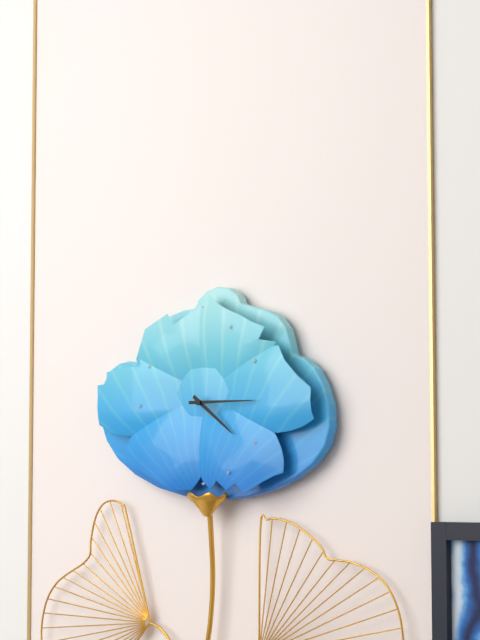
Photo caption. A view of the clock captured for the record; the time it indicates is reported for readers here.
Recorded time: 4:15
